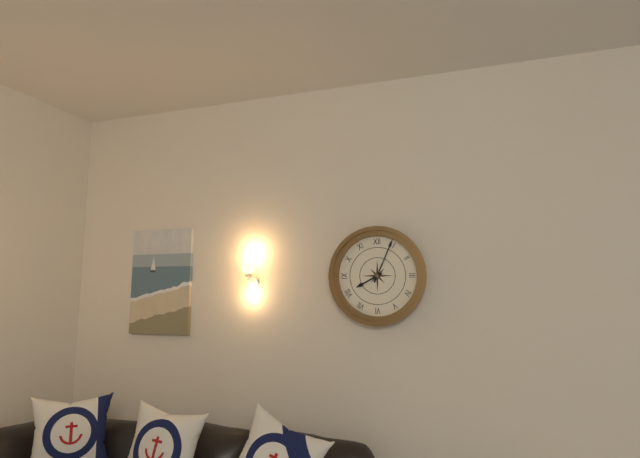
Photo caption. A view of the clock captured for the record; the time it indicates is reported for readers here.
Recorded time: 8:04
